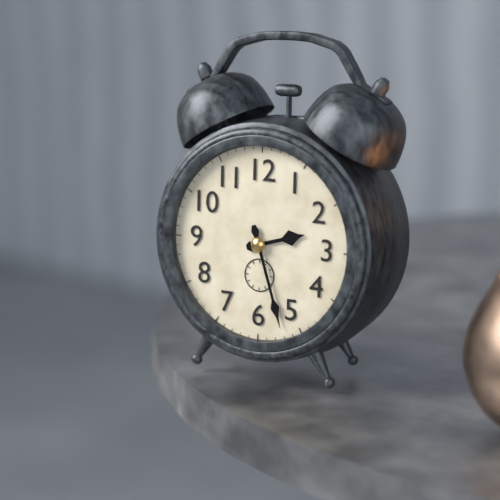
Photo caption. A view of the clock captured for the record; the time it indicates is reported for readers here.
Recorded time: 2:27
